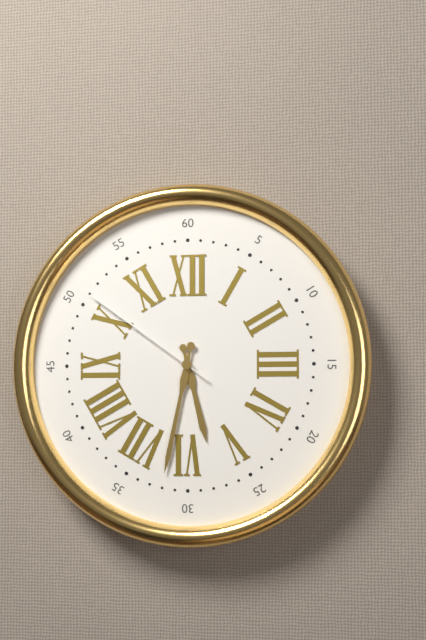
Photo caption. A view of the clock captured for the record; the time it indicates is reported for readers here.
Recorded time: 5:32:51
